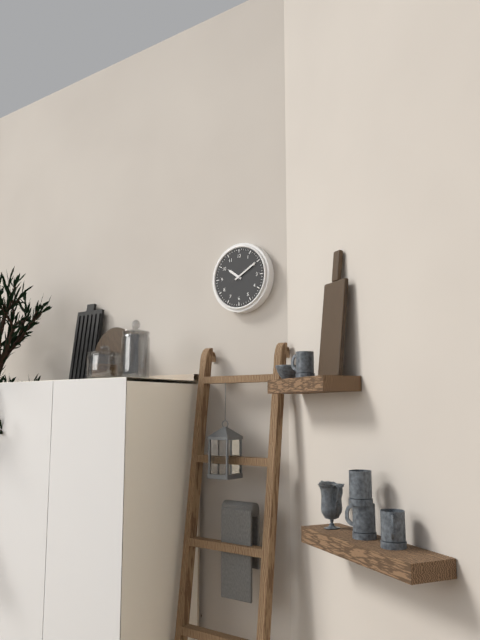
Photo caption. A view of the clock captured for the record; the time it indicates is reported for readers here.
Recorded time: 10:10
